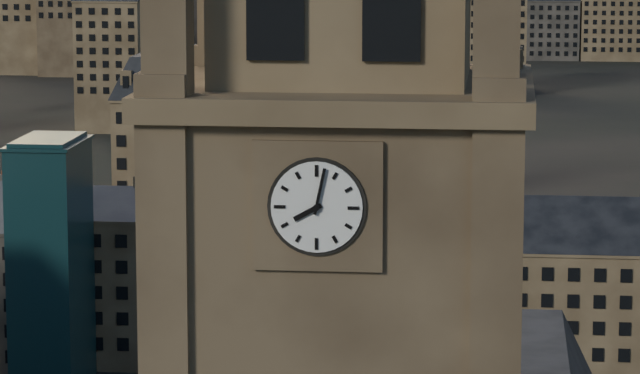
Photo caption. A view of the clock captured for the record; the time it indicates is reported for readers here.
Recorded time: 8:02
